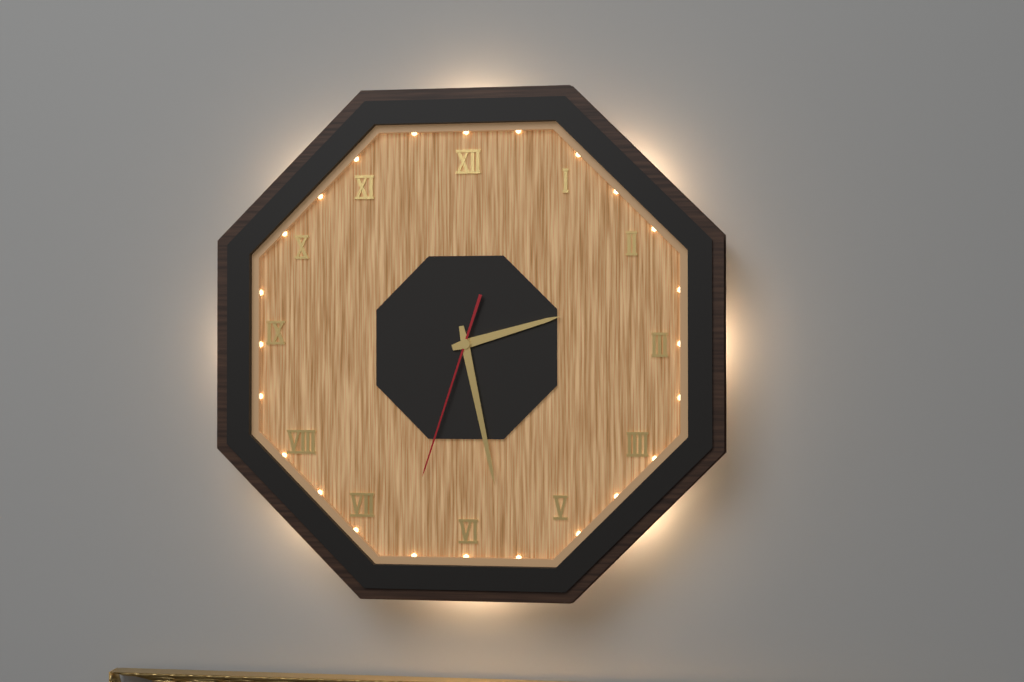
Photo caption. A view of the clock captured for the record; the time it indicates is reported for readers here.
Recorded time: 2:28:33
